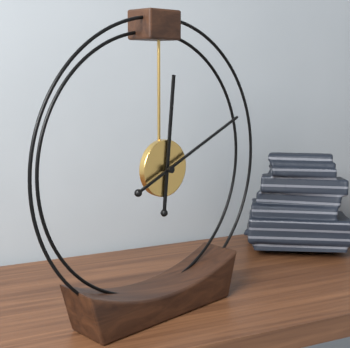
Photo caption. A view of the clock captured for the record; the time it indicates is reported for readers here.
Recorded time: 12:11
